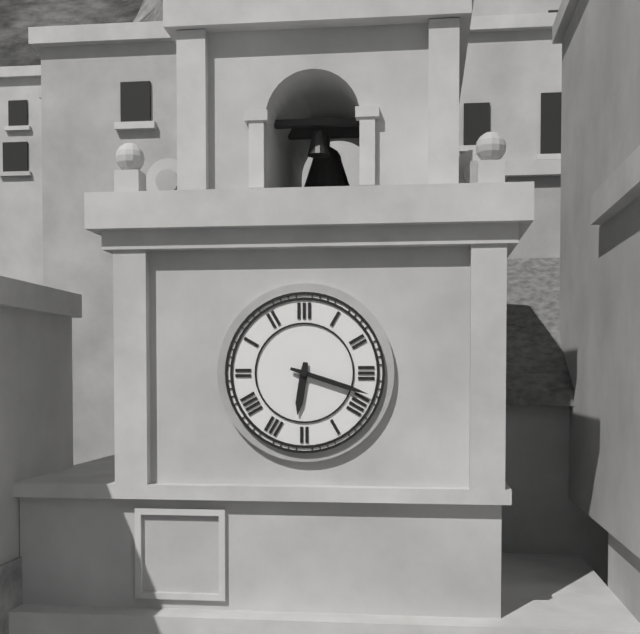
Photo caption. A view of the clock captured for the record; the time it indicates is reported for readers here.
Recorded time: 6:18
